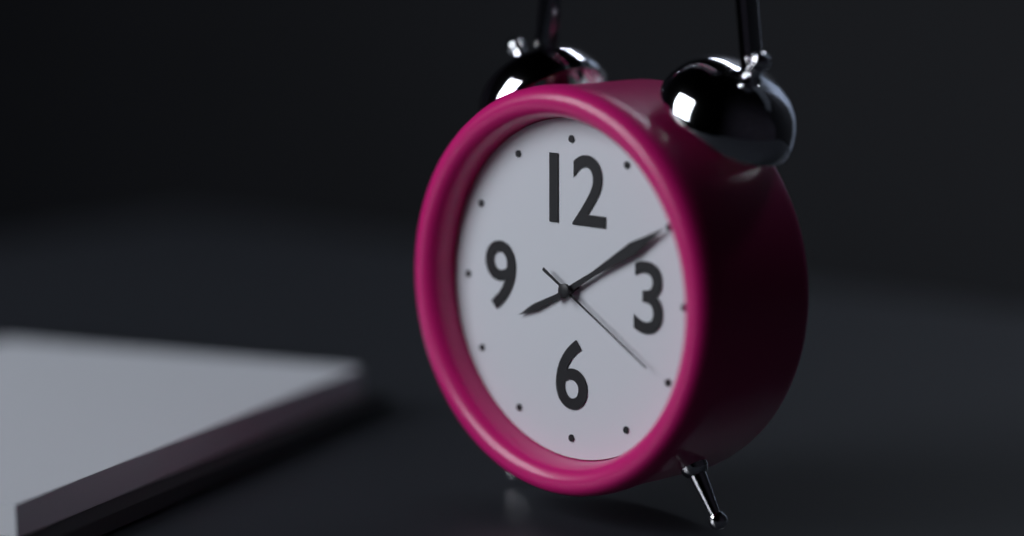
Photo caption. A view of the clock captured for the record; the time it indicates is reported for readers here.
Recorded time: 8:10:20
